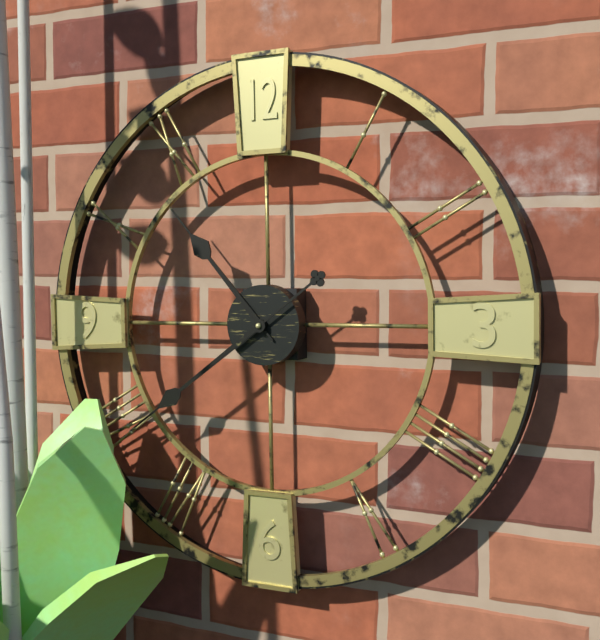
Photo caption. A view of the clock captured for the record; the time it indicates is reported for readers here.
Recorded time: 10:39
